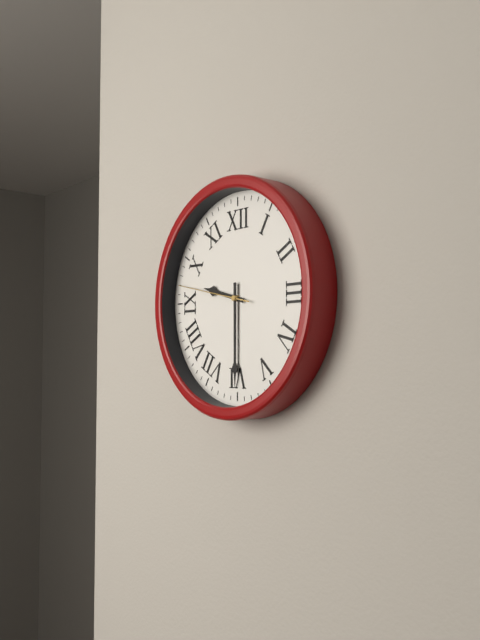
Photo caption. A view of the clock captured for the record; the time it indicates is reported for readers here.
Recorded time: 9:30:47
